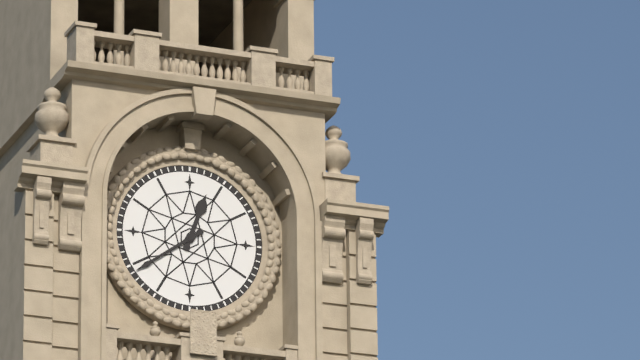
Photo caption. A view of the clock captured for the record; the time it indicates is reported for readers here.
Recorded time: 12:39
